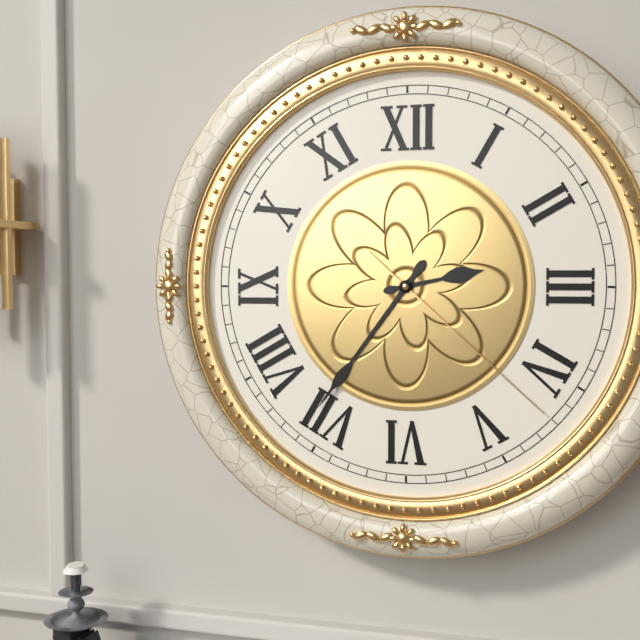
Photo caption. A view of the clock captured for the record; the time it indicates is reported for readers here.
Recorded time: 2:36:22
